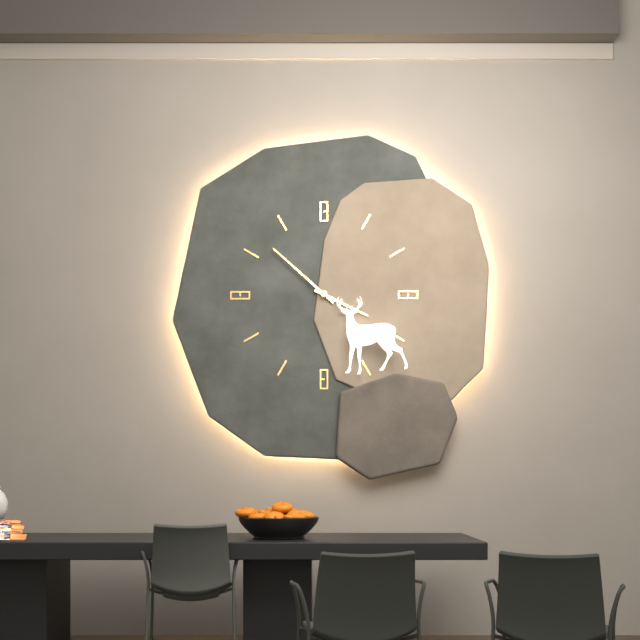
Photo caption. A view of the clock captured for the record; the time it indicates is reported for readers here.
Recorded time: 3:52
